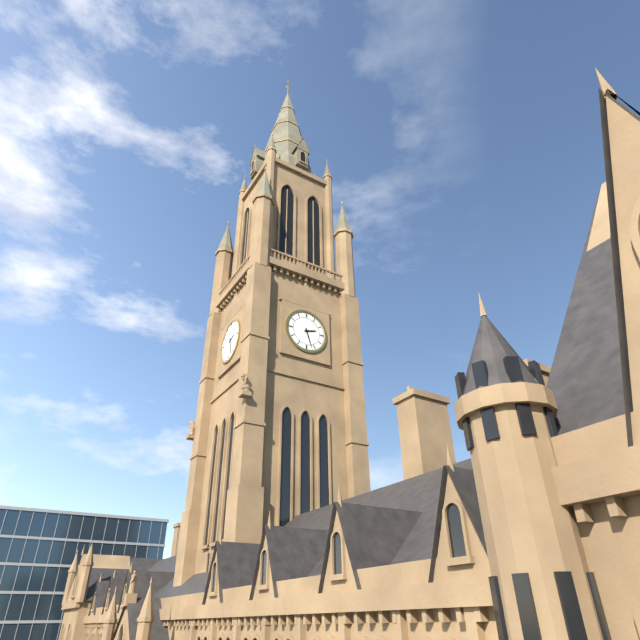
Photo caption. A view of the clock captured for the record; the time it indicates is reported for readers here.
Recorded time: 2:27
